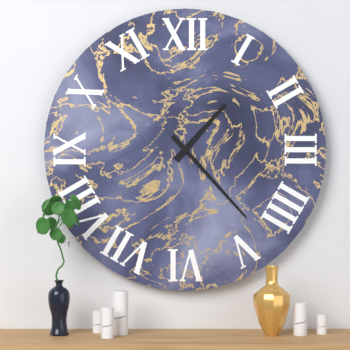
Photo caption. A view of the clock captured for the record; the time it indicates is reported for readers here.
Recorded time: 1:23
